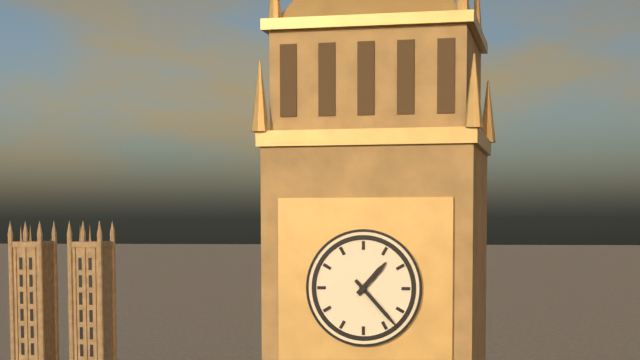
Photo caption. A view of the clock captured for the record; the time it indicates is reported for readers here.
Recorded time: 1:23
